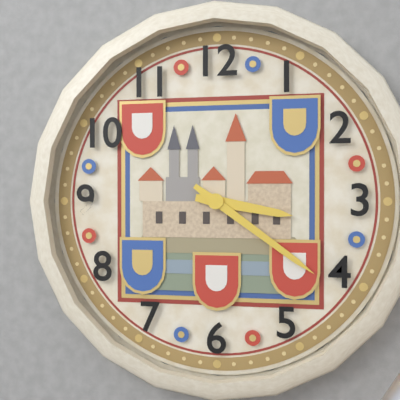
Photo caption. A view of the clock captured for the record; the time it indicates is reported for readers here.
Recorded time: 3:21
